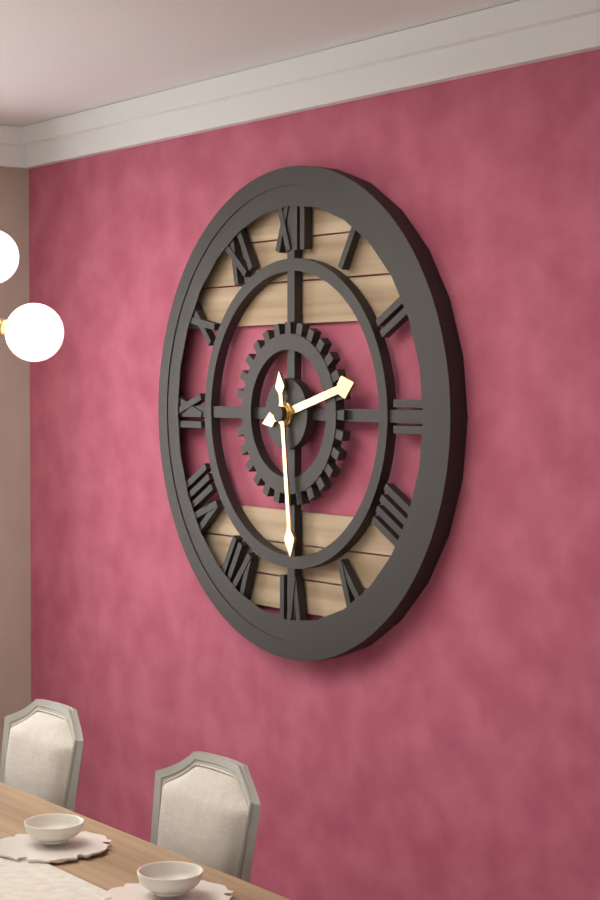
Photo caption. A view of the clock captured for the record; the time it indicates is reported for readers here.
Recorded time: 2:29
